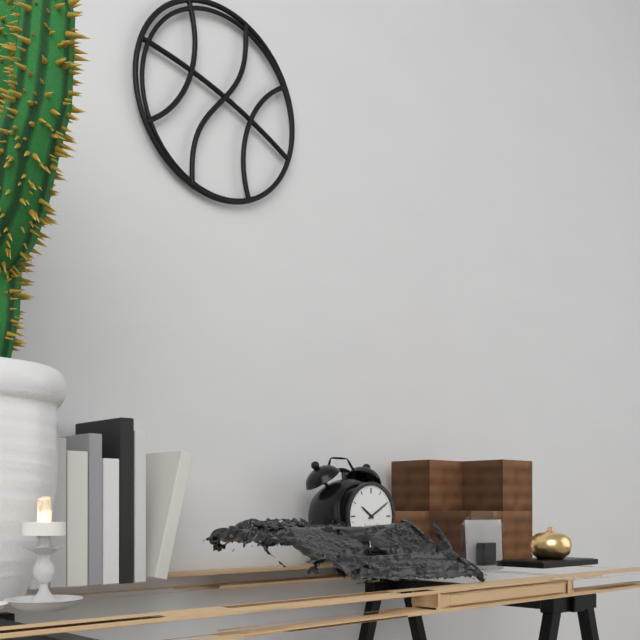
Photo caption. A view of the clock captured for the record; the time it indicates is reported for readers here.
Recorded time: 10:10
